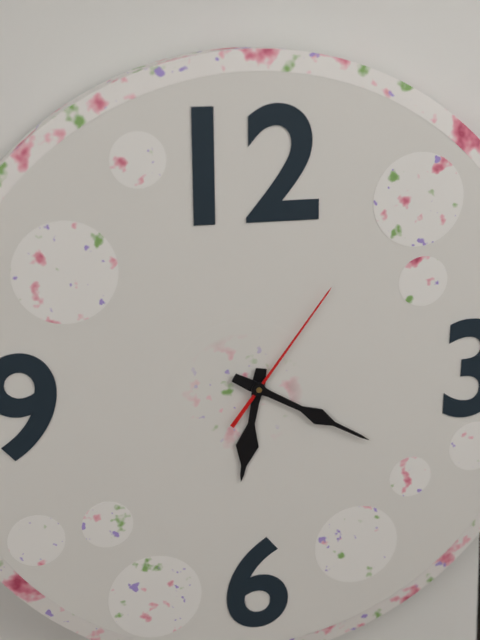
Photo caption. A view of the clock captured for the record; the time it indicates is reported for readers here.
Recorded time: 6:20:06
